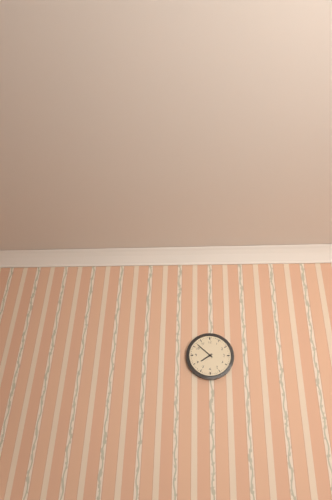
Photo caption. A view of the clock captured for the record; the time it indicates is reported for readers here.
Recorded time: 7:52
